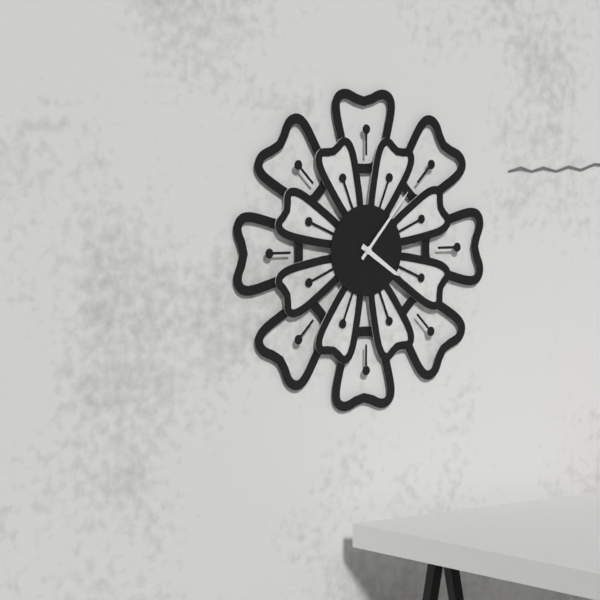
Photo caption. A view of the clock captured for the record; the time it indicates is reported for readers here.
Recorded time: 4:07
